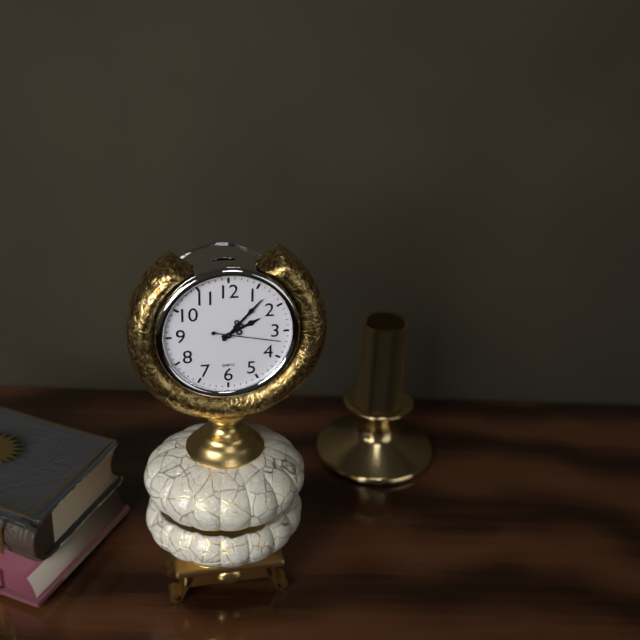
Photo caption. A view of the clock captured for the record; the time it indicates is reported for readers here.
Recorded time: 2:07:17
